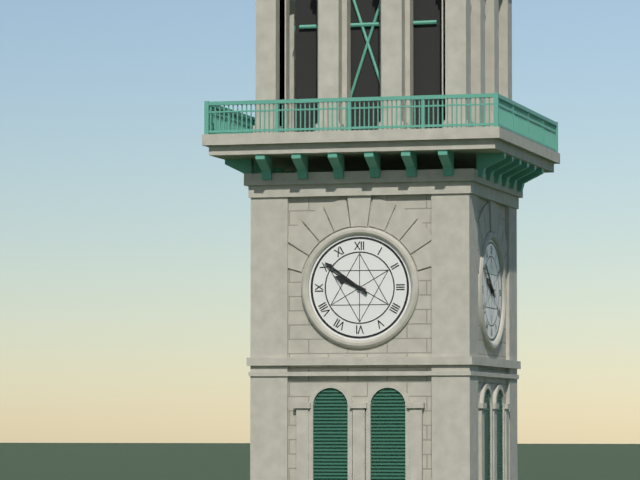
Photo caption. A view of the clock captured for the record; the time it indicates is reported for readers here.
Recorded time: 9:51
